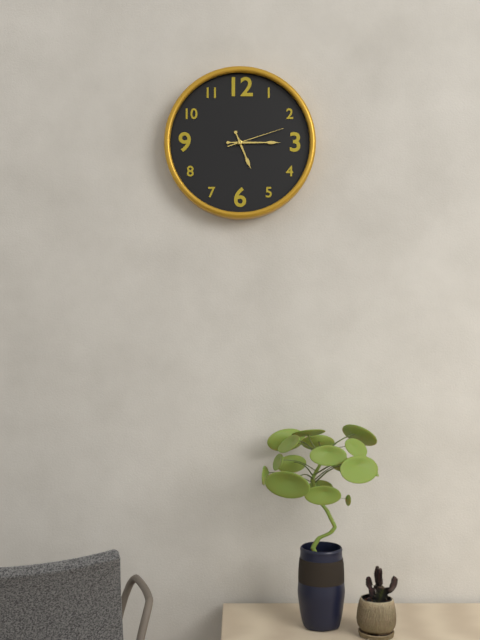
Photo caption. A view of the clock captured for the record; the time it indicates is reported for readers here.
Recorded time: 5:15:12
